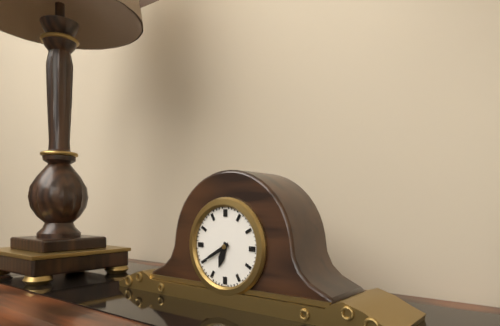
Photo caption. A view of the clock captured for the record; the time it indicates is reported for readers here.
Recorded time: 6:40
